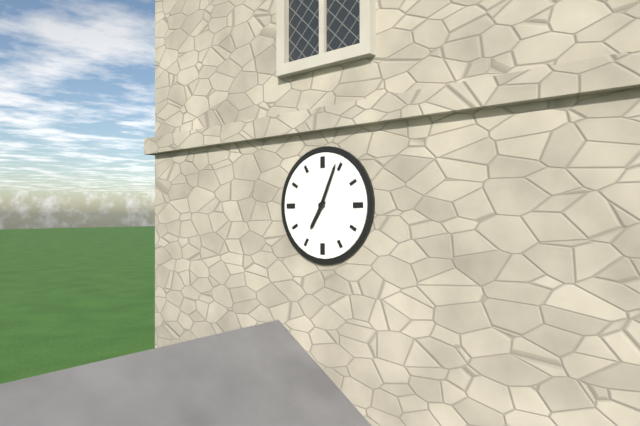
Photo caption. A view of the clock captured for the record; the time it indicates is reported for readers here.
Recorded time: 7:04
